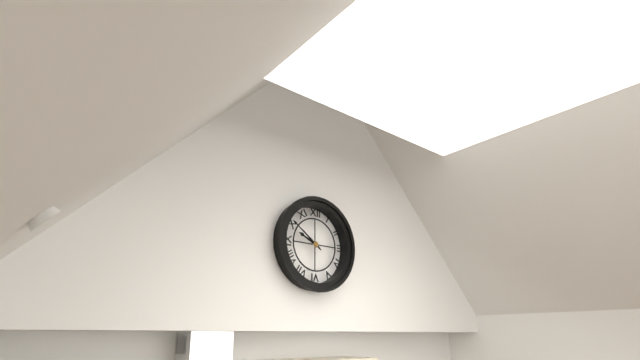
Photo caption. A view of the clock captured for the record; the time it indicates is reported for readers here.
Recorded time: 9:51
